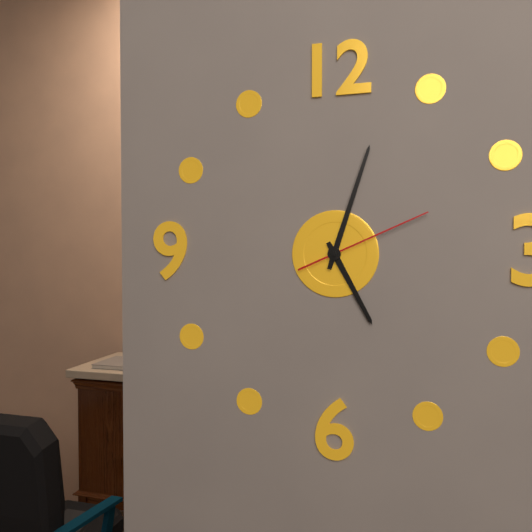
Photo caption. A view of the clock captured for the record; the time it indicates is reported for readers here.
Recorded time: 5:03:11
